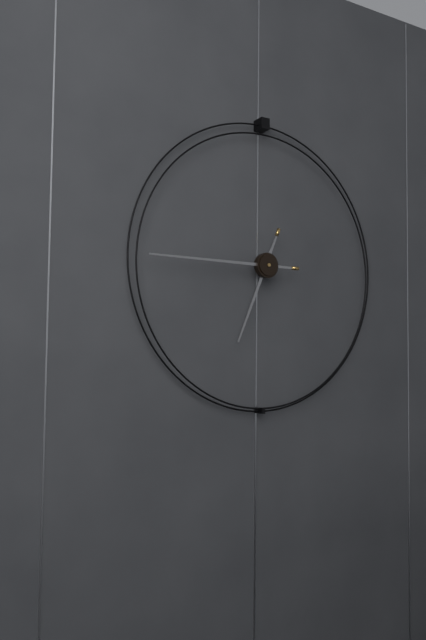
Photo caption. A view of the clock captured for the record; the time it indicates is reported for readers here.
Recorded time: 6:45
